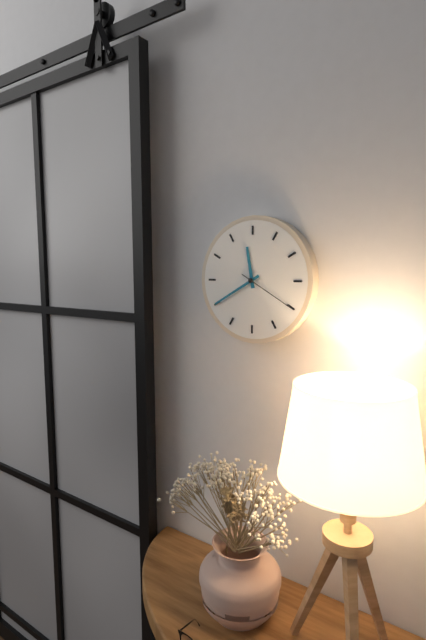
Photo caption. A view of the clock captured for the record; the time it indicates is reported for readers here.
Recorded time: 11:40:20
